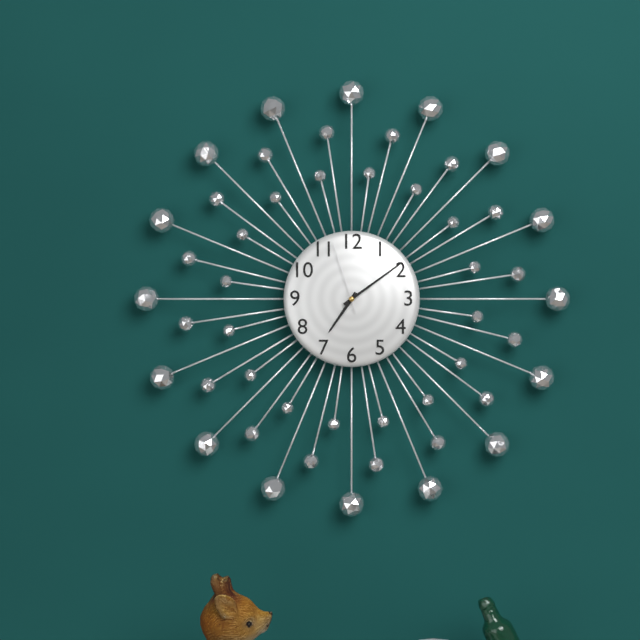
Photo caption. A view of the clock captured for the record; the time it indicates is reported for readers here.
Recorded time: 7:09:57
